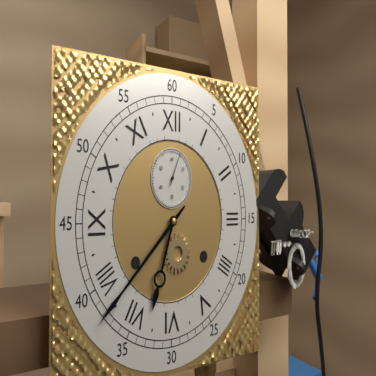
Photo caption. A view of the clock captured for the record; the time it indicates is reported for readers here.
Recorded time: 6:38
